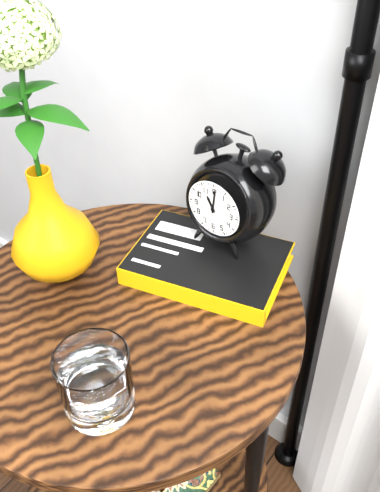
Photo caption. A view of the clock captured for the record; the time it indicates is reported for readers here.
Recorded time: 11:01
